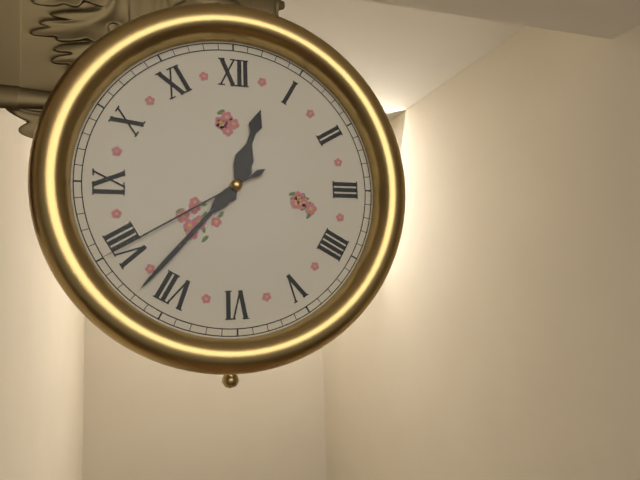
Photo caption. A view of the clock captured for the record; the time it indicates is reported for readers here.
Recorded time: 12:37:40
